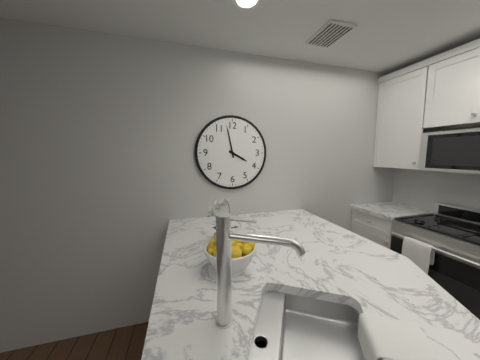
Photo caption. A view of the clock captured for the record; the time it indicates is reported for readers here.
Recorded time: 3:58
